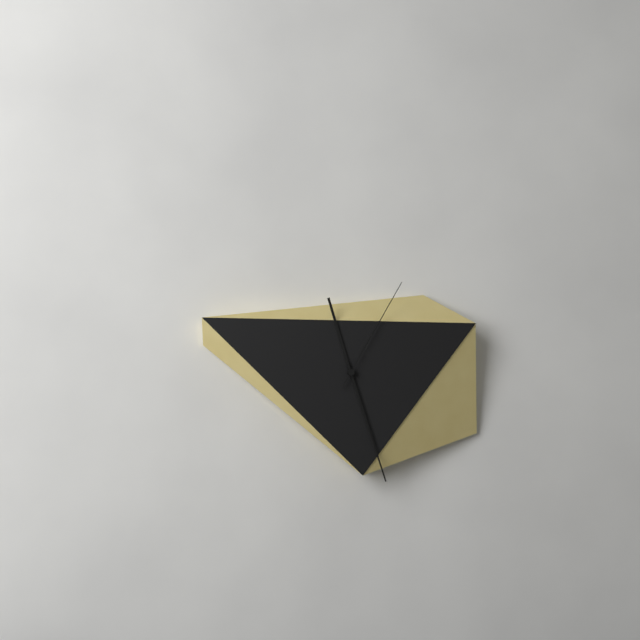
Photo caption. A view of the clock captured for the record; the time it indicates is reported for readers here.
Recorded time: 11:27:05
